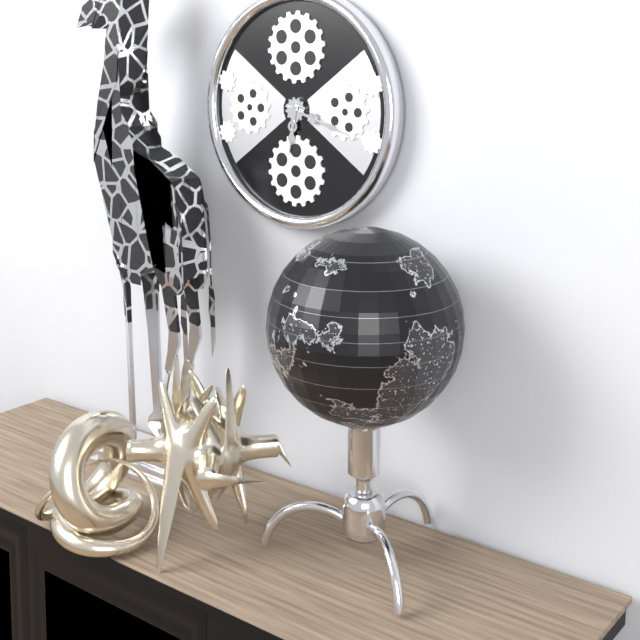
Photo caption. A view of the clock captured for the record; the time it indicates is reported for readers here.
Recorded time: 6:18
